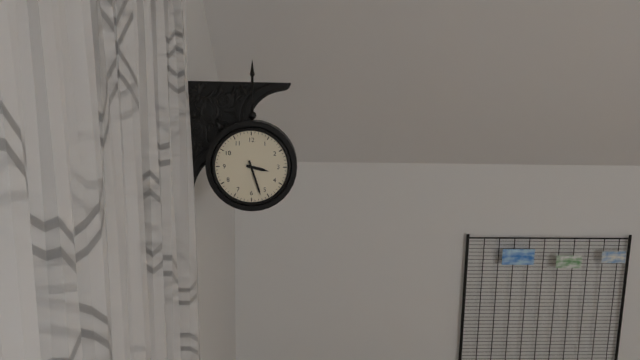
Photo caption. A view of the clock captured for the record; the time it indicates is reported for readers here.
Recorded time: 3:27
